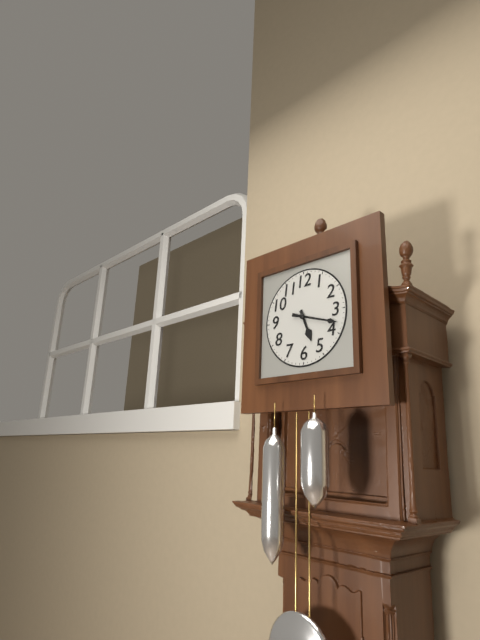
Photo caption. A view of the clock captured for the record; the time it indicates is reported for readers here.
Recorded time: 5:18
